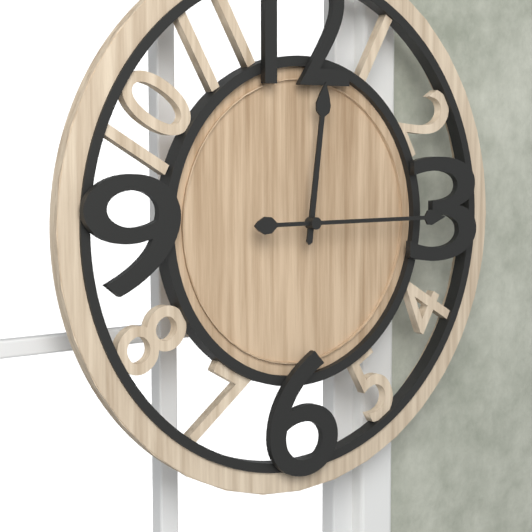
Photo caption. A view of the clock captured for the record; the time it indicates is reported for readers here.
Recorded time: 12:15
